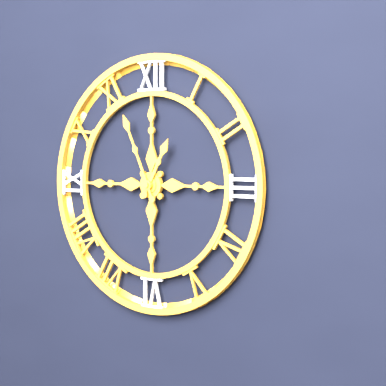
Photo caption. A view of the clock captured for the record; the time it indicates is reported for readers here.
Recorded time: 12:56
